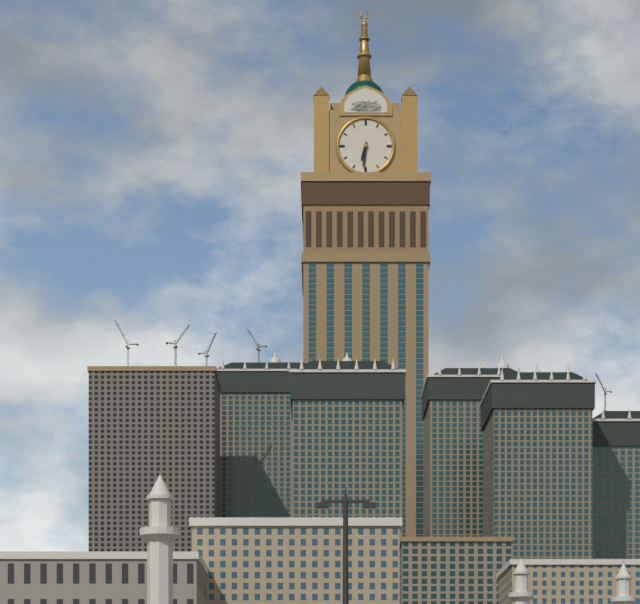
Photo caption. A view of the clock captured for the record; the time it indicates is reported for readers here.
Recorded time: 6:31
